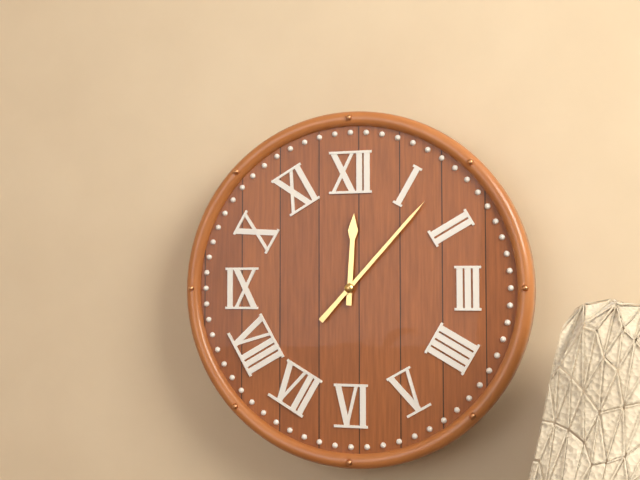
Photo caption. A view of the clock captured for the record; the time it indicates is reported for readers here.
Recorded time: 12:07
